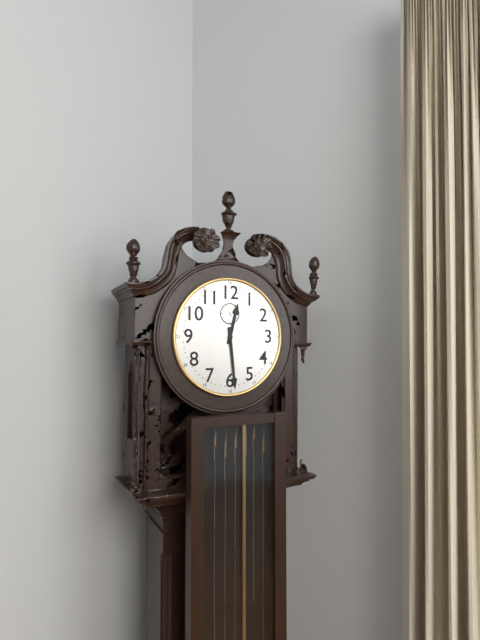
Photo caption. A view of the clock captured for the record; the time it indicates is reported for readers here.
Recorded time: 12:29
